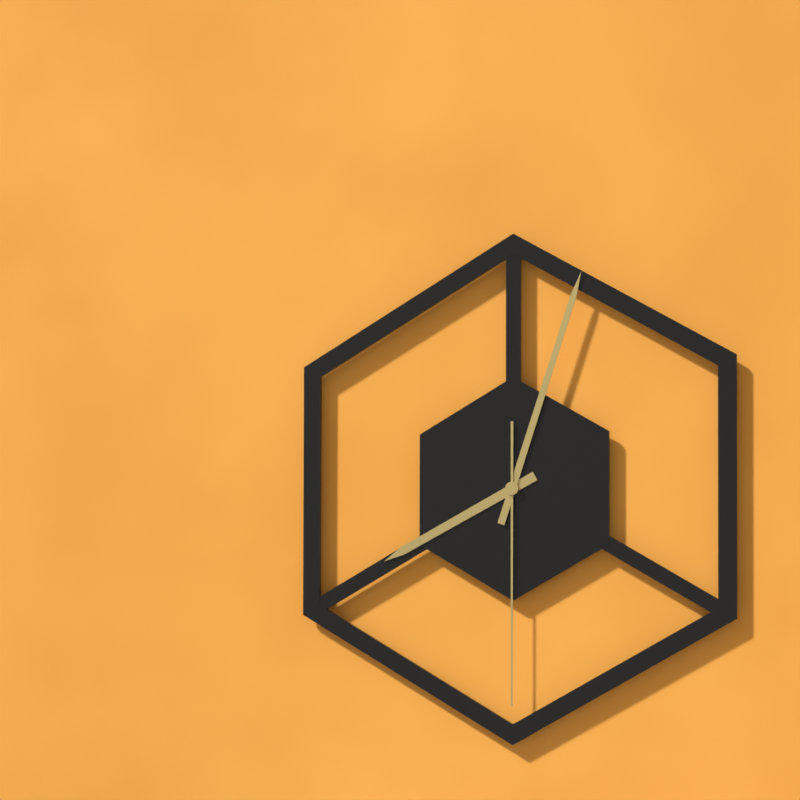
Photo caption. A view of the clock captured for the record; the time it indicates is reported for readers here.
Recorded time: 8:03:30
